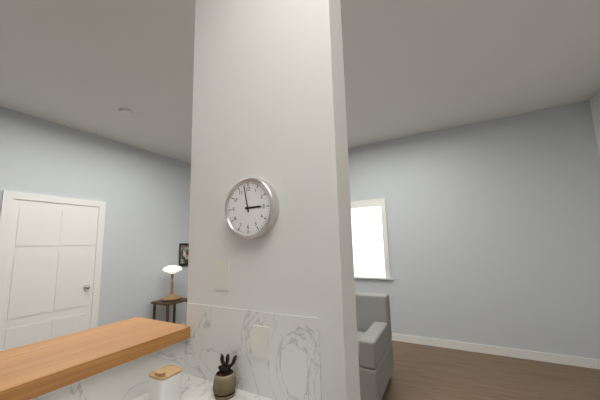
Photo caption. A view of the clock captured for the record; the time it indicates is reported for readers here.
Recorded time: 2:58
